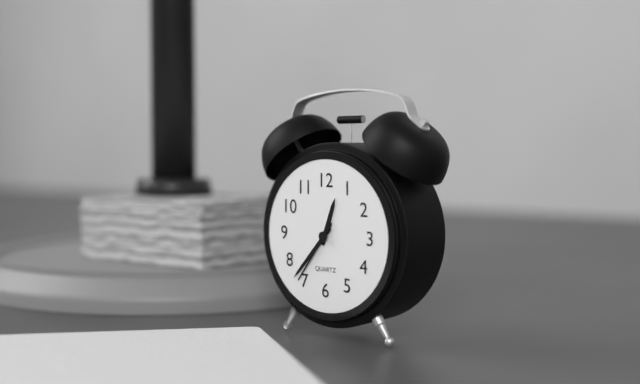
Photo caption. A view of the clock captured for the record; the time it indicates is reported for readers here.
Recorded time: 12:37:36
